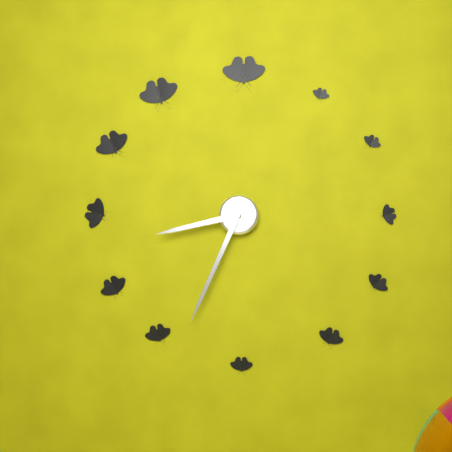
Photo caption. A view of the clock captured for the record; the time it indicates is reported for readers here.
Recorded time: 8:34
